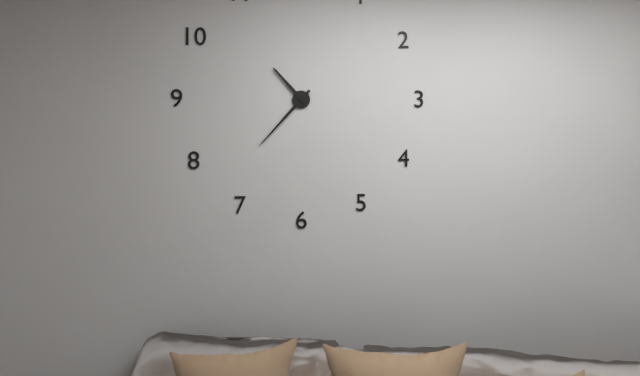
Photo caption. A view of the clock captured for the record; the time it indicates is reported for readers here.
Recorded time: 10:37
